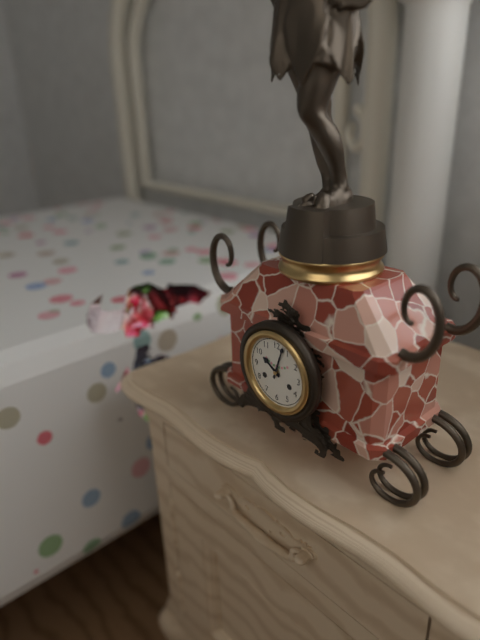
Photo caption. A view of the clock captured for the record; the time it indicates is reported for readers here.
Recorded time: 10:03
